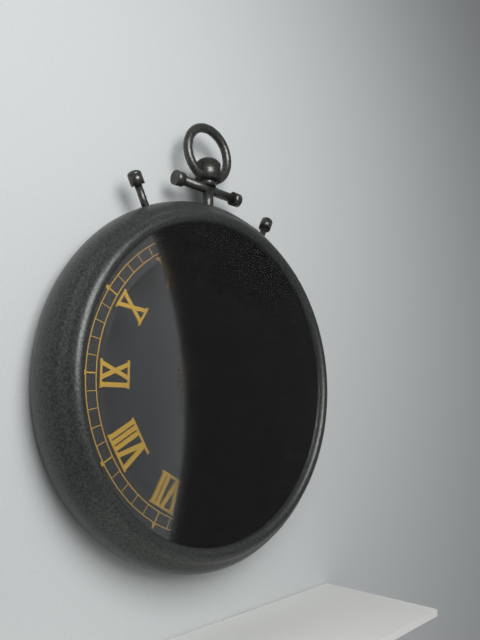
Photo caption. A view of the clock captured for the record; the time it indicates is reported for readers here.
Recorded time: 12:58:12
